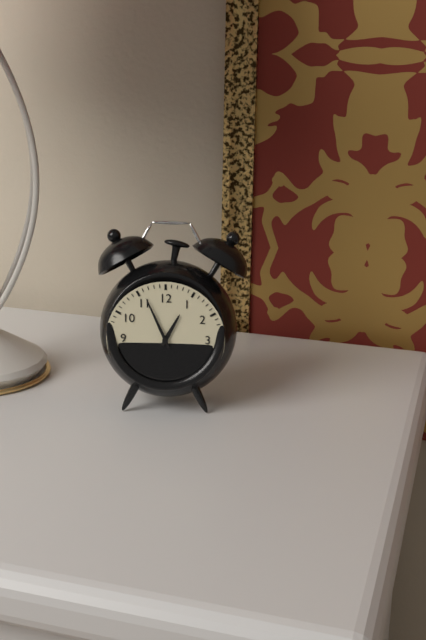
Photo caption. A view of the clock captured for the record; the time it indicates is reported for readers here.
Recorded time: 12:56
